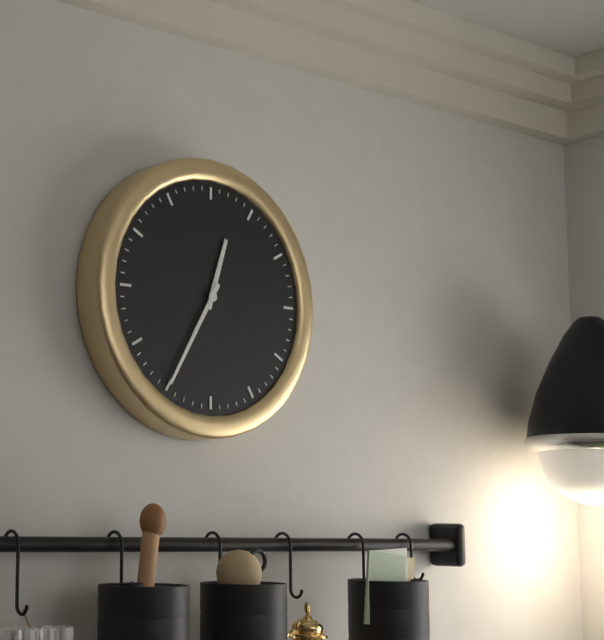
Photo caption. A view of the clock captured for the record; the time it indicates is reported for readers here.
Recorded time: 12:35
